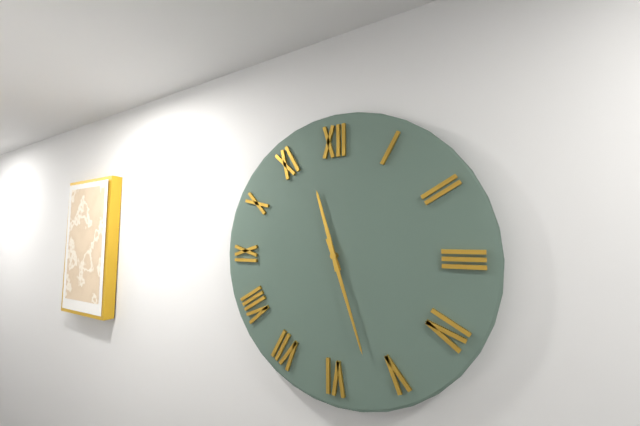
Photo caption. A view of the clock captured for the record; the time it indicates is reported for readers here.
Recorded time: 11:27
